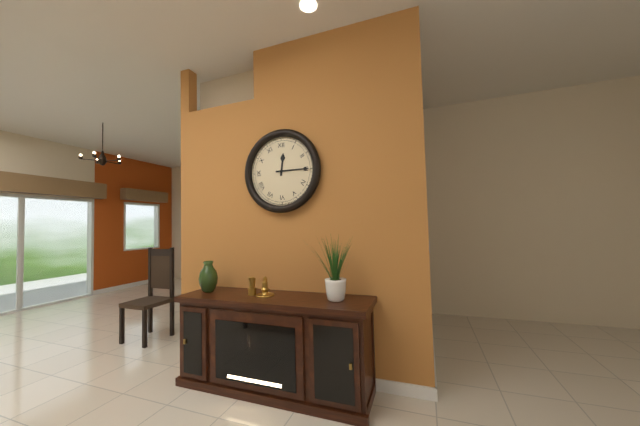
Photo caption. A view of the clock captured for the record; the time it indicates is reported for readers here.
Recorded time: 12:15
